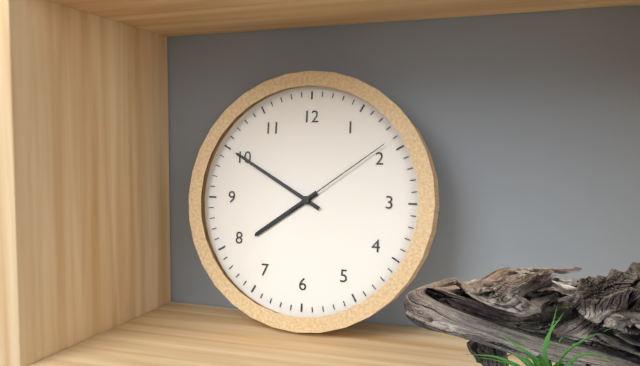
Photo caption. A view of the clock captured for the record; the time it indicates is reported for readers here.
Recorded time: 7:50:09
